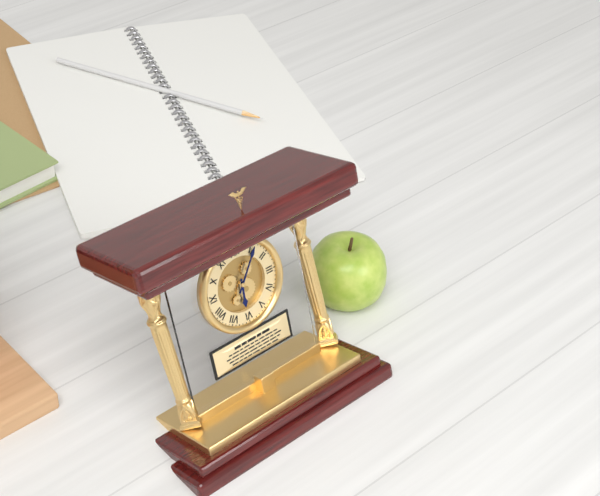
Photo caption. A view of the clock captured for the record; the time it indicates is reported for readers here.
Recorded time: 6:06
